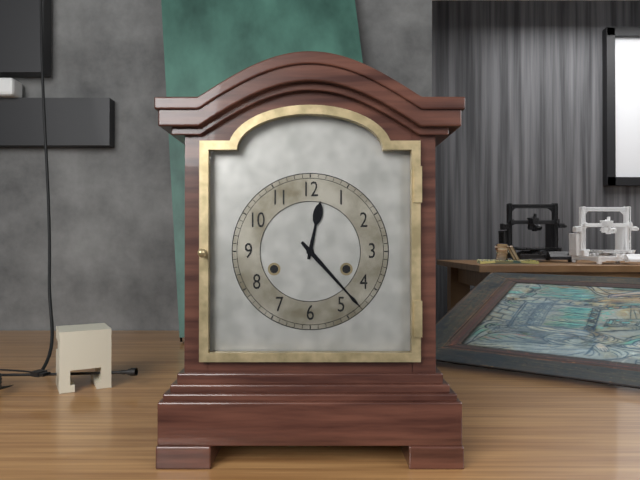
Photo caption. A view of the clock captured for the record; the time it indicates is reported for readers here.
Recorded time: 12:23
